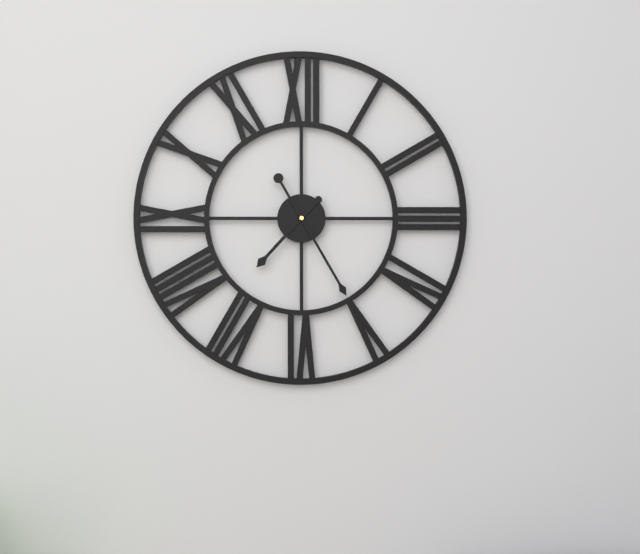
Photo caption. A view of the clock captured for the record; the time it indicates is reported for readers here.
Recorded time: 7:25
